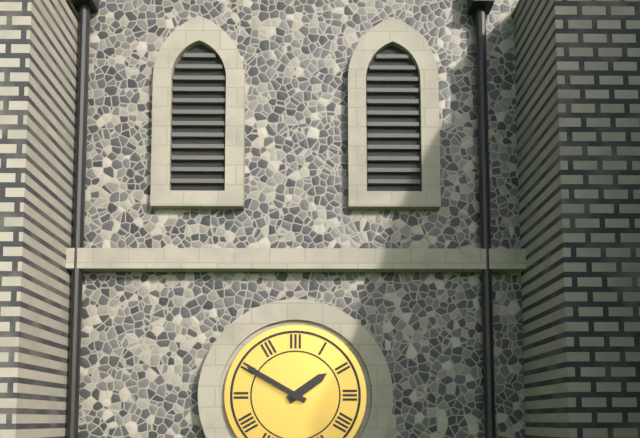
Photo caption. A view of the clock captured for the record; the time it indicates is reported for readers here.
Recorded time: 1:50
